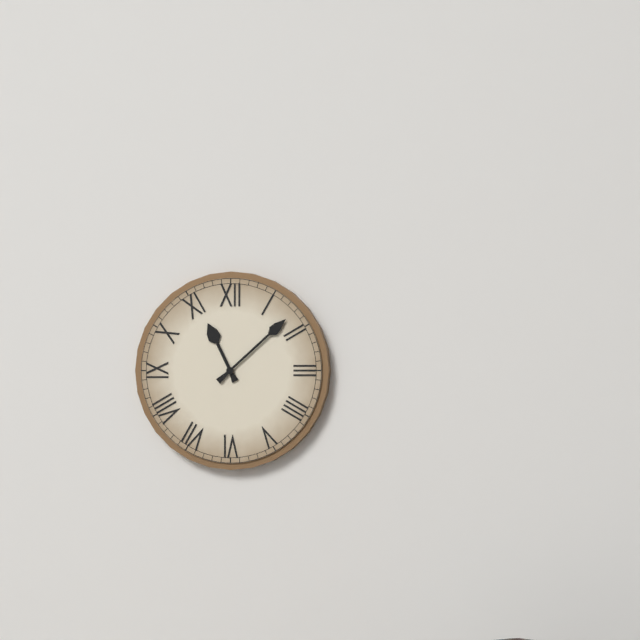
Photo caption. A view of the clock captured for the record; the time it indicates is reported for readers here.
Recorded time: 11:08
